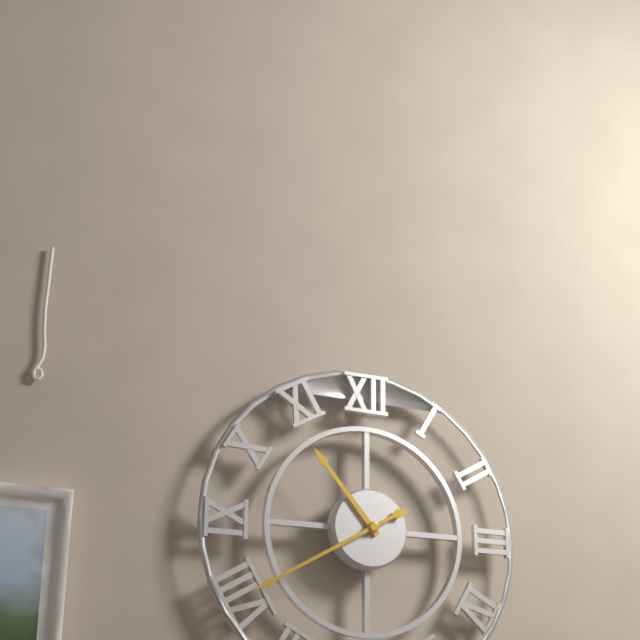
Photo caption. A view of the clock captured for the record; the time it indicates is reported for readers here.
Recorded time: 10:40
